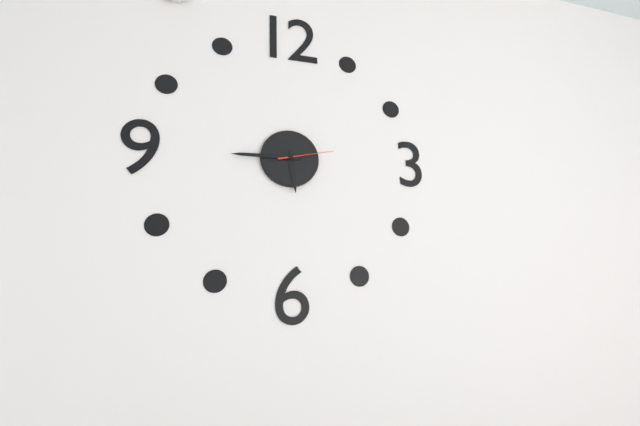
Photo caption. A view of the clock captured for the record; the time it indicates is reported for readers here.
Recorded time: 5:45:13
